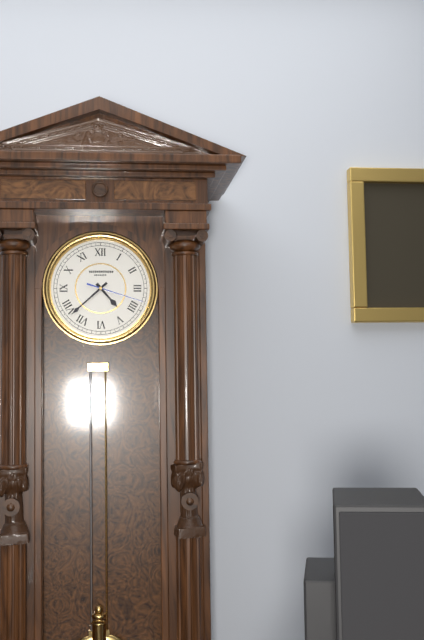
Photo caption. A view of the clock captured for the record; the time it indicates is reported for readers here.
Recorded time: 4:38:18
